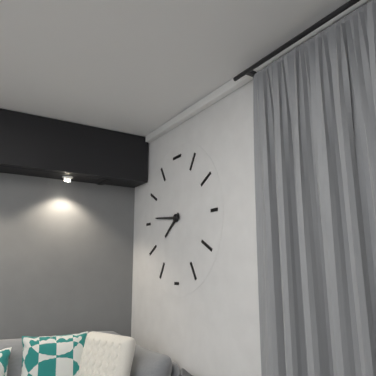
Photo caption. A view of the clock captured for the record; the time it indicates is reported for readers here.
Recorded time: 7:46
